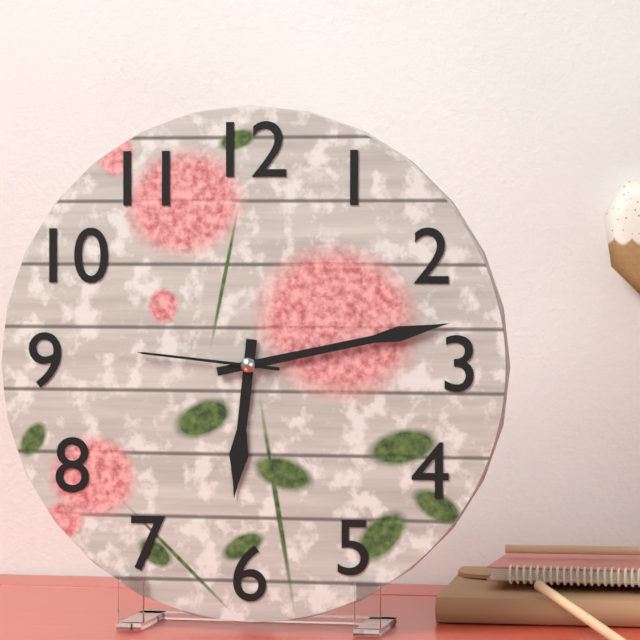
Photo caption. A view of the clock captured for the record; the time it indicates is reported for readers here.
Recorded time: 6:13:46
